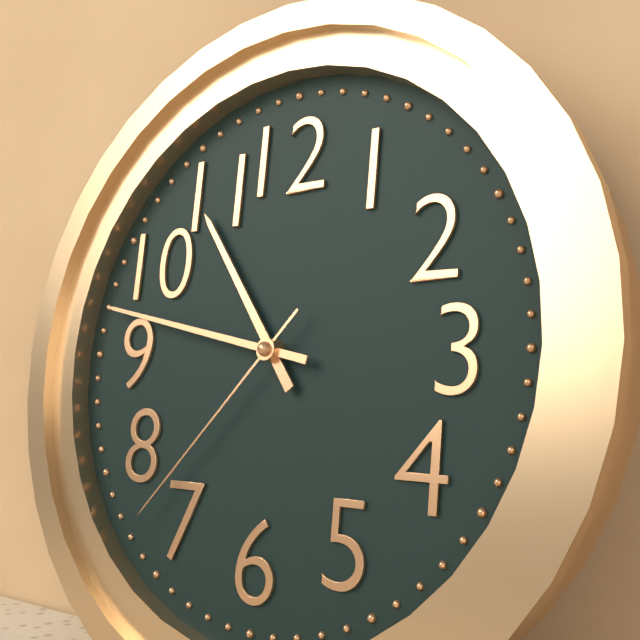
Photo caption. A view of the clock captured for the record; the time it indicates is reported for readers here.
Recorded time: 10:47:37
